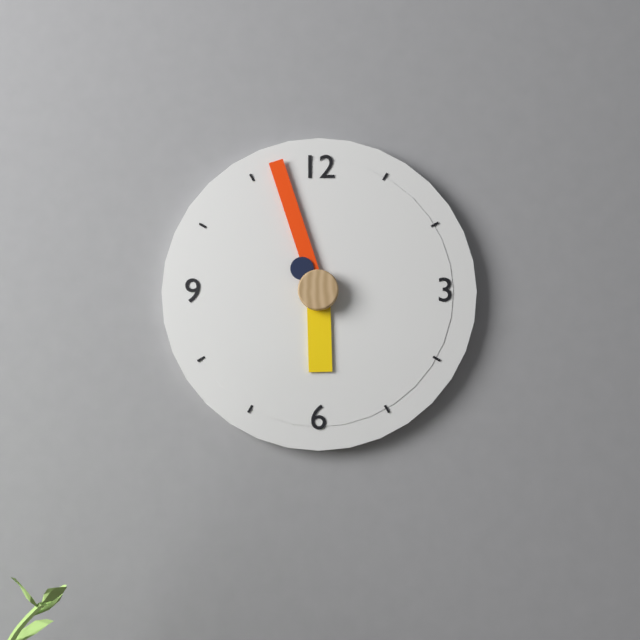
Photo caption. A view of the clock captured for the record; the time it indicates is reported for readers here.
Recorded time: 5:57:54
